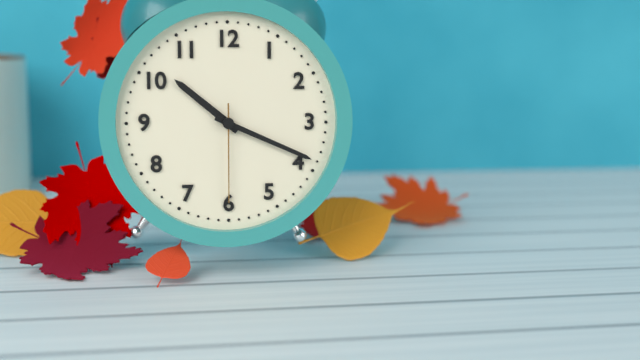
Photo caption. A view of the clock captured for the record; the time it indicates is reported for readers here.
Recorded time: 10:19:30
